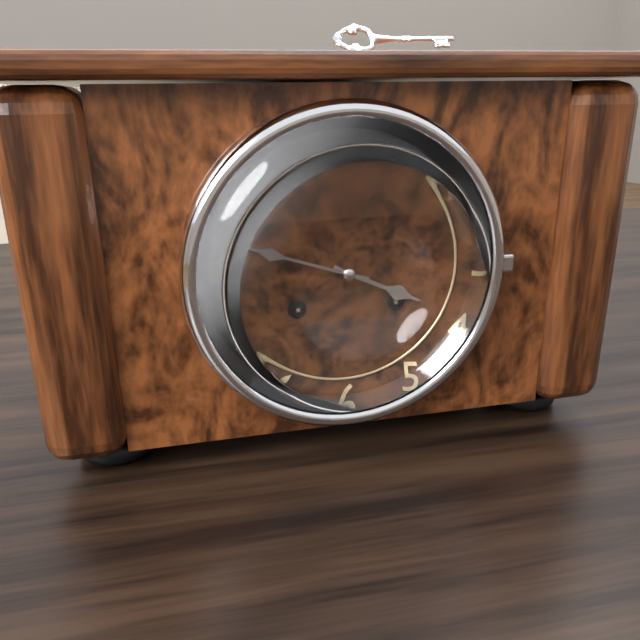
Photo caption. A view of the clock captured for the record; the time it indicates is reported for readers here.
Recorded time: 3:48
